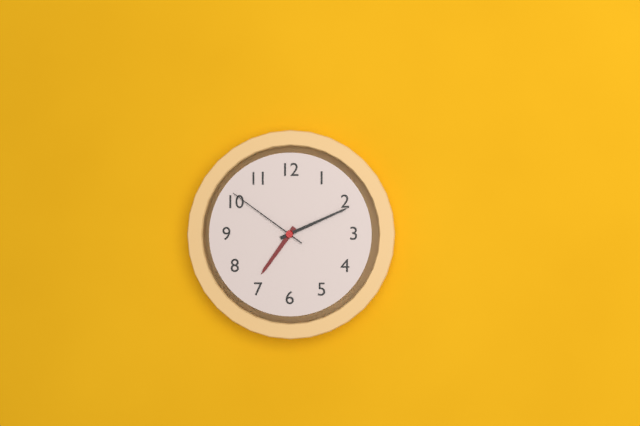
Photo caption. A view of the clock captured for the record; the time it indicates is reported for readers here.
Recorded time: 7:11:51
